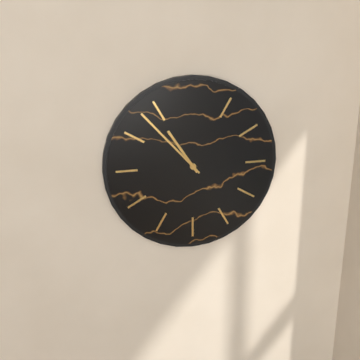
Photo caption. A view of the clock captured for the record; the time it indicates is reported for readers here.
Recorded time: 10:53
